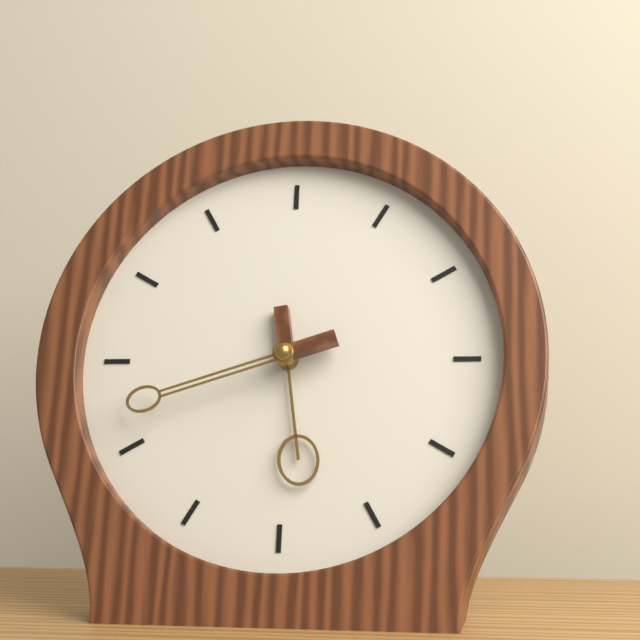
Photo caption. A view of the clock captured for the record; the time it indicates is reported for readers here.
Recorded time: 5:42
